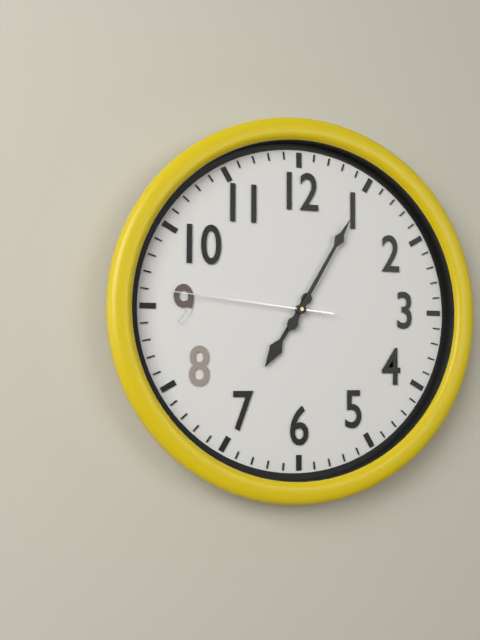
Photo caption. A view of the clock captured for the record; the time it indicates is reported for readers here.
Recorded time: 7:05:46
